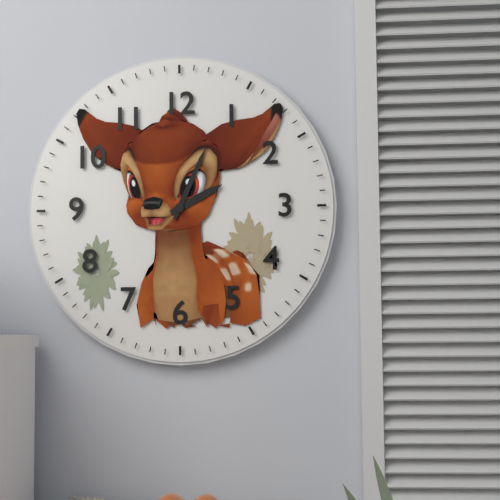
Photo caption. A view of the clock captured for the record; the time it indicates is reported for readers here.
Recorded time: 2:04
